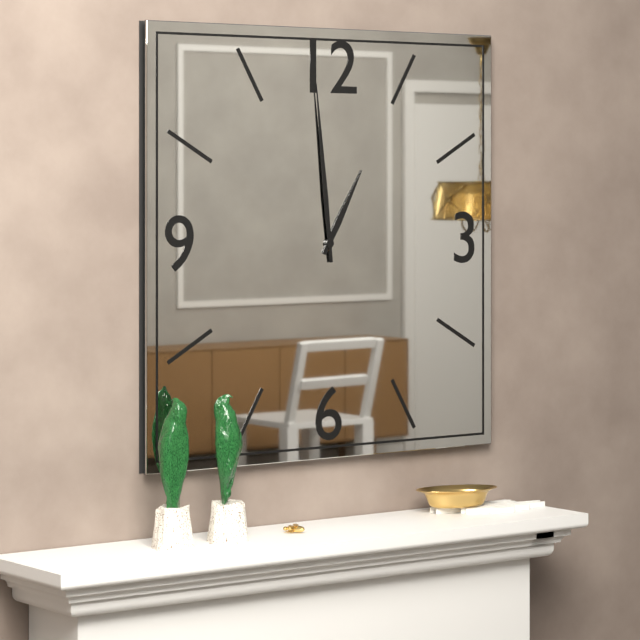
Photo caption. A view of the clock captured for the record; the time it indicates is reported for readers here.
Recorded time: 12:59
